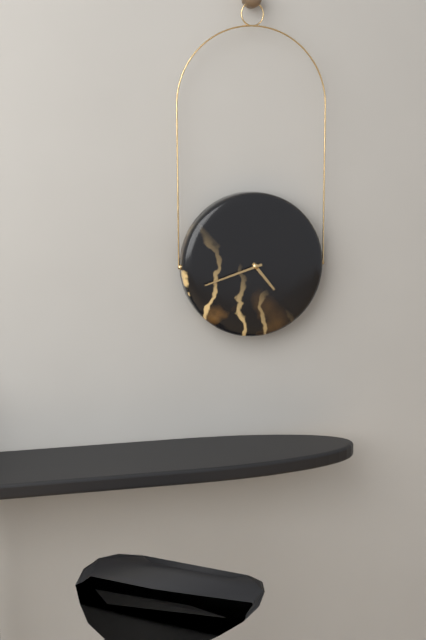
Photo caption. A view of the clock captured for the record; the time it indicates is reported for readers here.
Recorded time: 4:42
